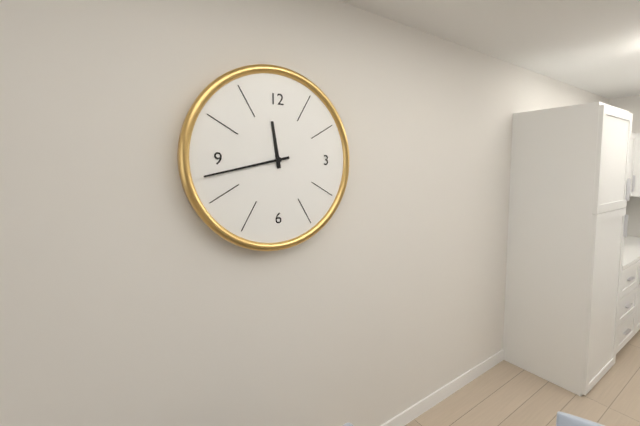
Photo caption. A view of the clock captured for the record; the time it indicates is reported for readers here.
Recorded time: 11:43
